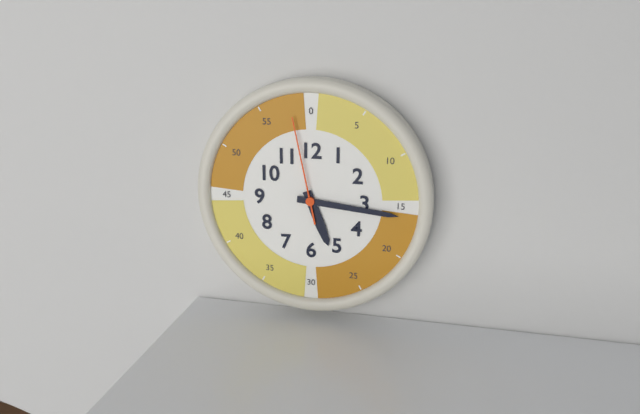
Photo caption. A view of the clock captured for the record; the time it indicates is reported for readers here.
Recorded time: 5:16:58
